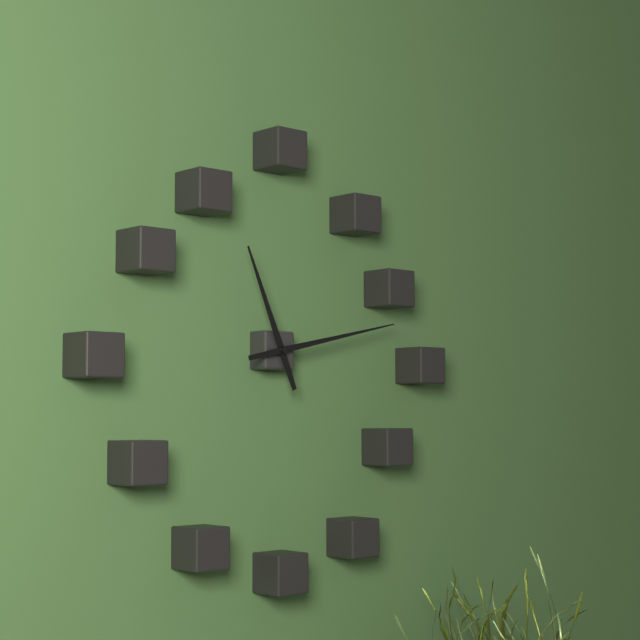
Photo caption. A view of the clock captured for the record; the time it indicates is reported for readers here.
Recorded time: 11:13
